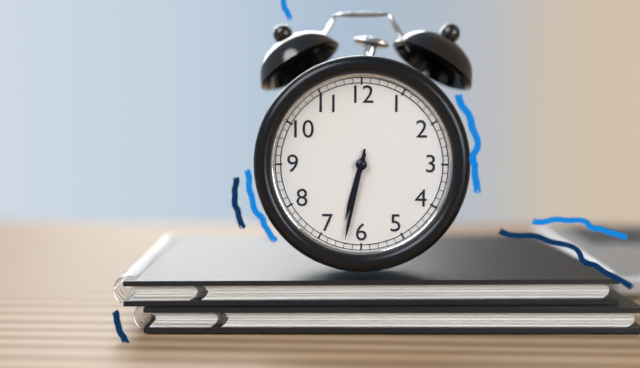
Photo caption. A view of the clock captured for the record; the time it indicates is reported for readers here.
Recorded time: 6:32
